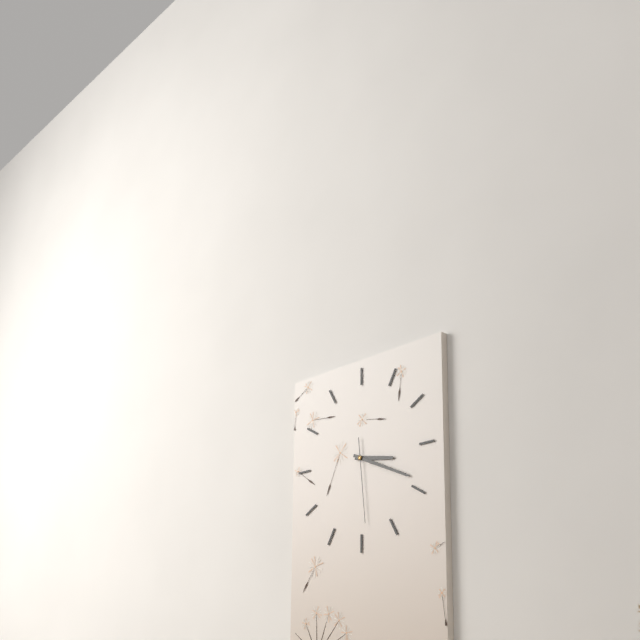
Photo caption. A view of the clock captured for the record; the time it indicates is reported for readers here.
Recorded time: 3:19:29
